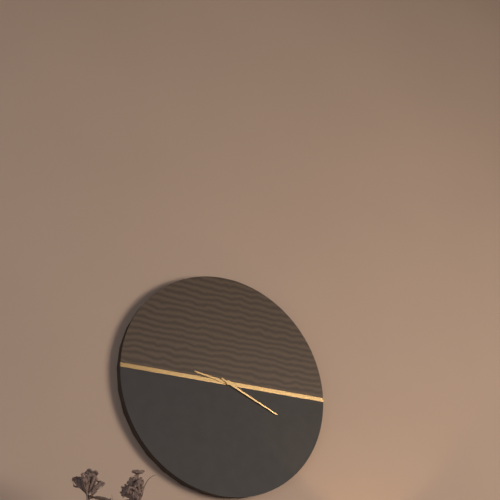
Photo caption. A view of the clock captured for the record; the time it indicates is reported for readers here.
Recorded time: 9:19
